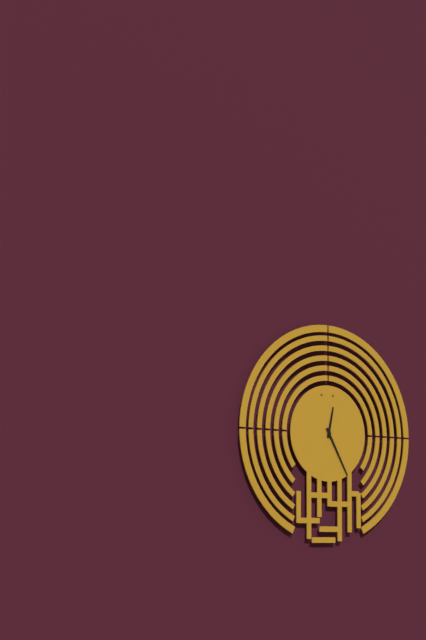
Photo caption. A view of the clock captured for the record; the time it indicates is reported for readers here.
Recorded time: 12:25
